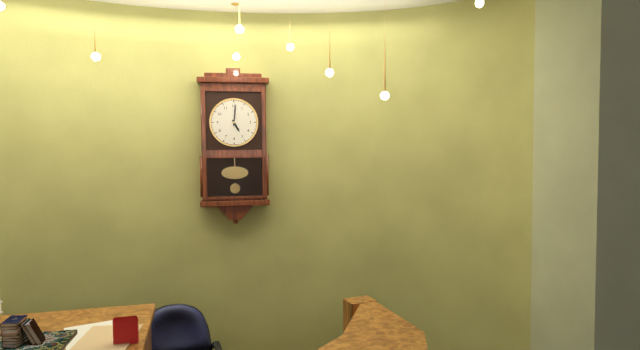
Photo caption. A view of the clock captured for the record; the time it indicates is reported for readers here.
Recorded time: 5:01
